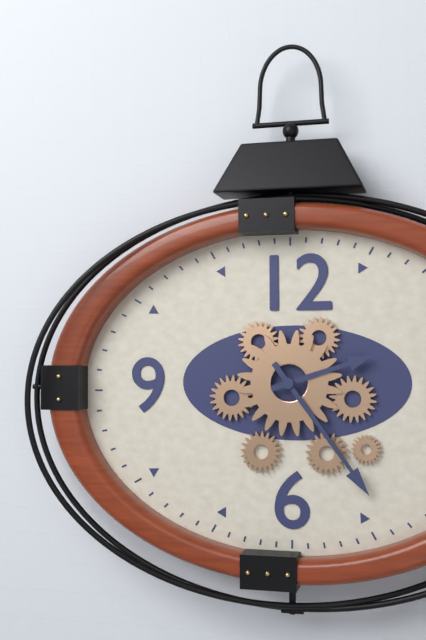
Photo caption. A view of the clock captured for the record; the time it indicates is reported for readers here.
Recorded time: 2:24
